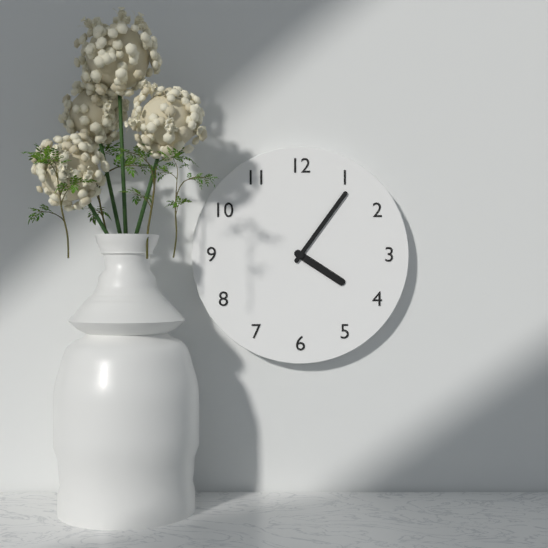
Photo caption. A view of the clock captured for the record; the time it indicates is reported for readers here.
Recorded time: 4:06
